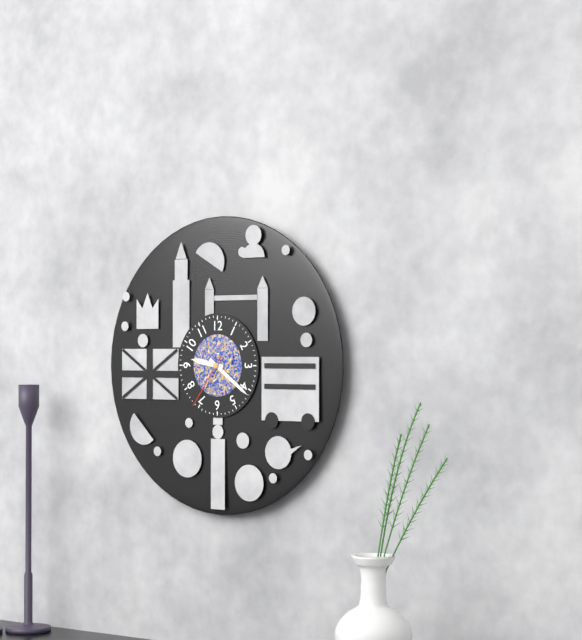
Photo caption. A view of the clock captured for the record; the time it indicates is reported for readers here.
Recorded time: 9:21:36
